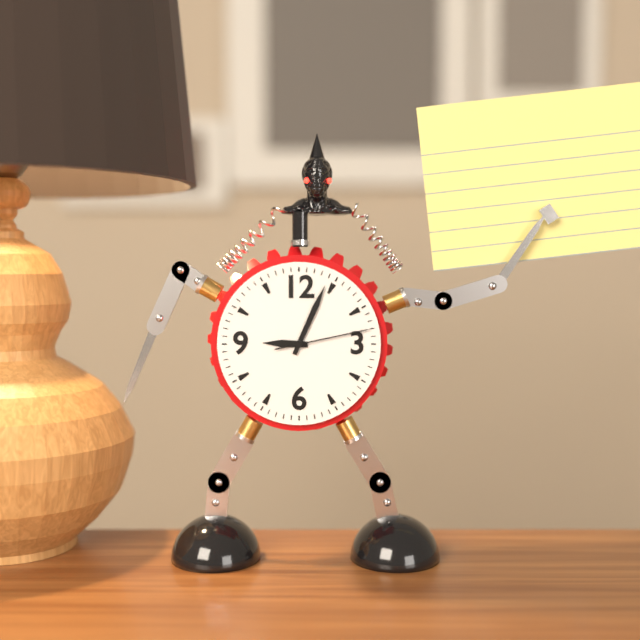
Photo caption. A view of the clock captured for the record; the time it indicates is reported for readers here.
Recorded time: 9:04:13
